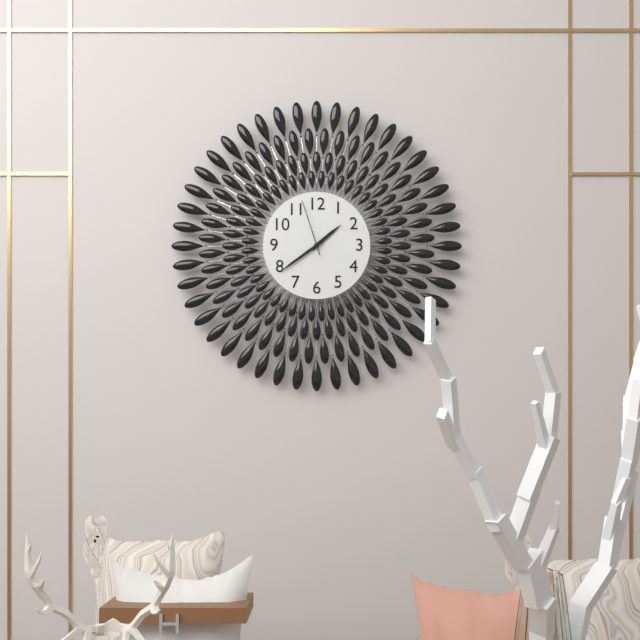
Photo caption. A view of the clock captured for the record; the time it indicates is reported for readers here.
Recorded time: 1:39:57
